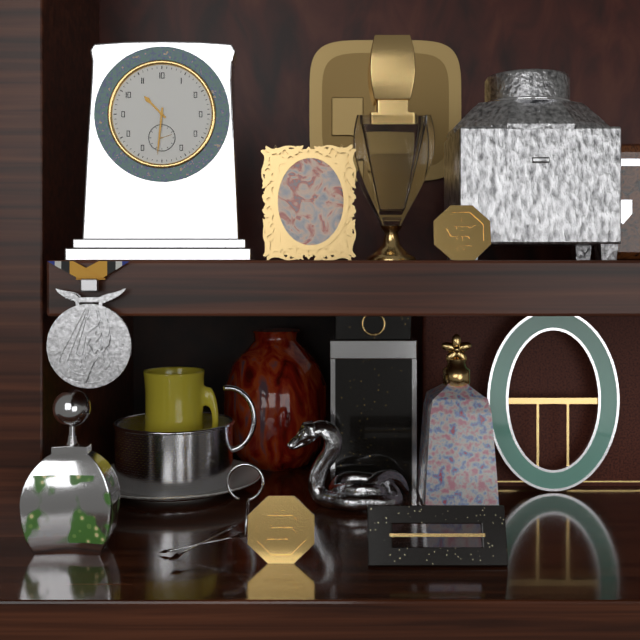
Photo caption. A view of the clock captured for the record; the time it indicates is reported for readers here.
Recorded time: 10:31
